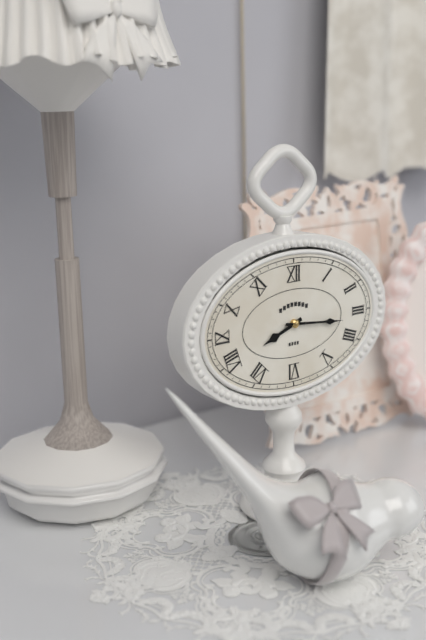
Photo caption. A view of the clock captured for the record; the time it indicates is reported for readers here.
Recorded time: 8:16
